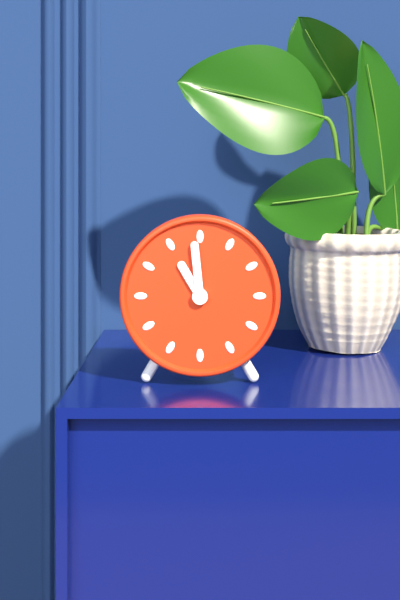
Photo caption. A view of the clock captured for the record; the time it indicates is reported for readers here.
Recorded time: 10:59
